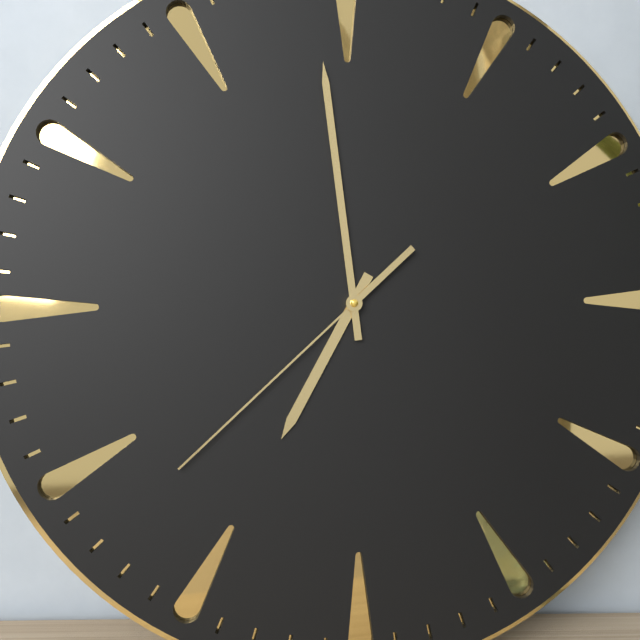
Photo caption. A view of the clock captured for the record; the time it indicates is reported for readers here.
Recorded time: 6:59:38
